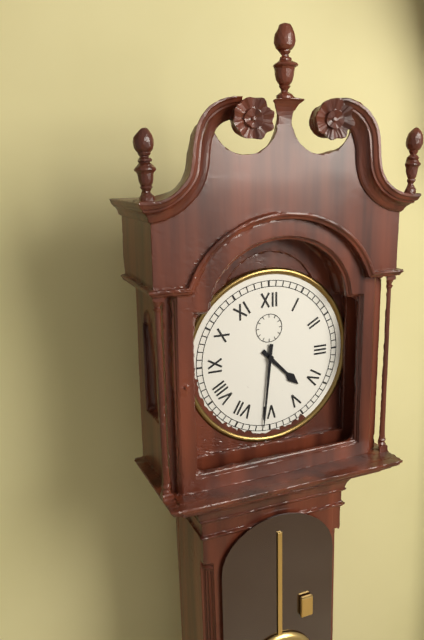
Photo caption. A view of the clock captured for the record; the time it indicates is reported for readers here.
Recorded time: 4:31
